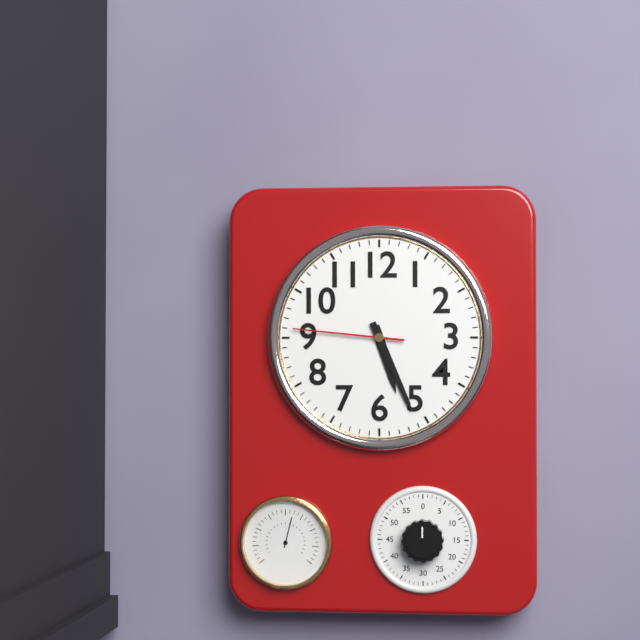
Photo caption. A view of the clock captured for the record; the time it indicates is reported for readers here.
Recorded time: 5:26:46
